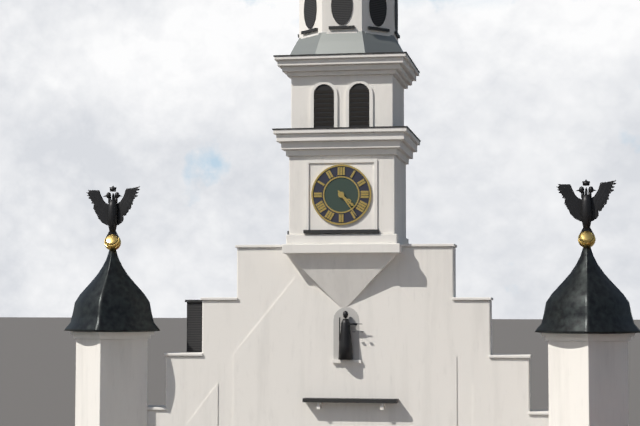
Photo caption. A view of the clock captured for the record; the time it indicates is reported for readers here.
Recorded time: 4:24
